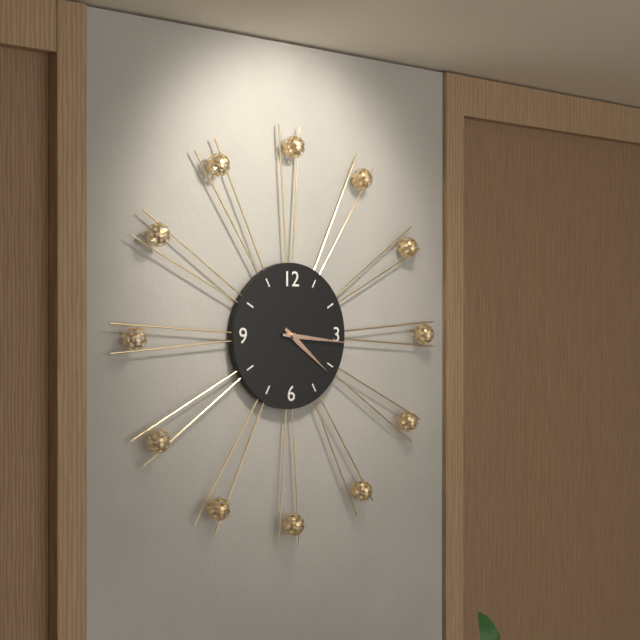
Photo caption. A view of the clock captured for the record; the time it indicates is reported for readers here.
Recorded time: 4:16
